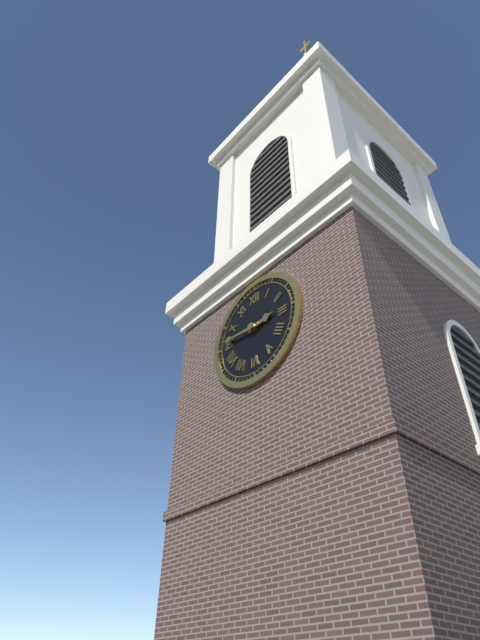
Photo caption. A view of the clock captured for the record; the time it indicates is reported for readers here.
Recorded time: 2:46
